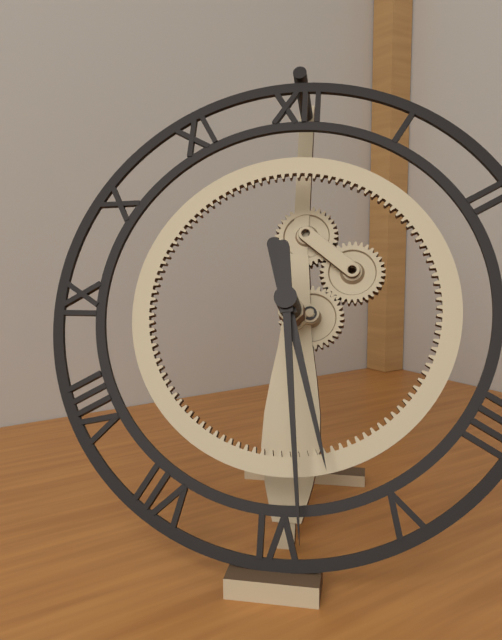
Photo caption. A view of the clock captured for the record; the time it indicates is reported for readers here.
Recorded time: 5:29
